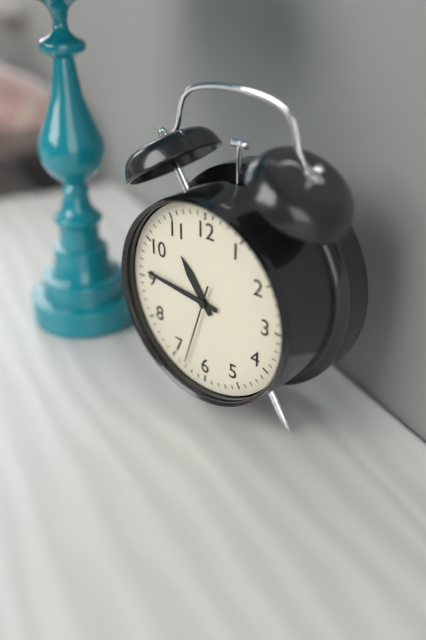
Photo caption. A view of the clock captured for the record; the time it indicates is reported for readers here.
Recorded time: 10:46:33
